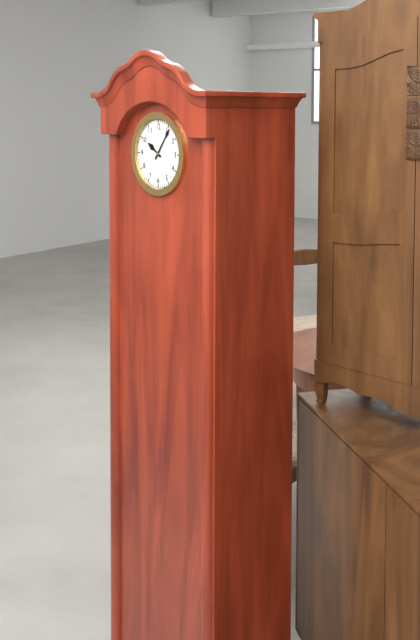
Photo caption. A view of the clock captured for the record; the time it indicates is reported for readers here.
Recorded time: 10:06
